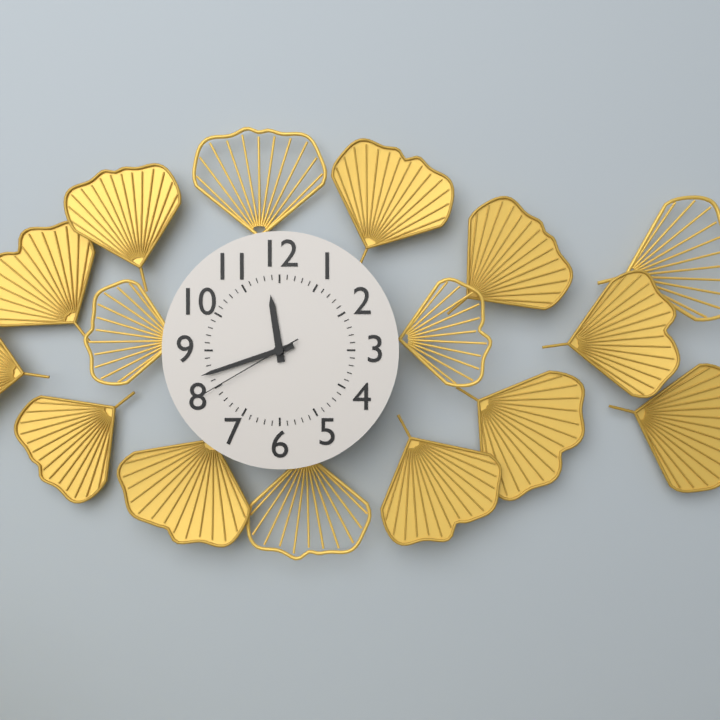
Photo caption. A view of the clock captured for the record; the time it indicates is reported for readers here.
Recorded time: 11:42:40
